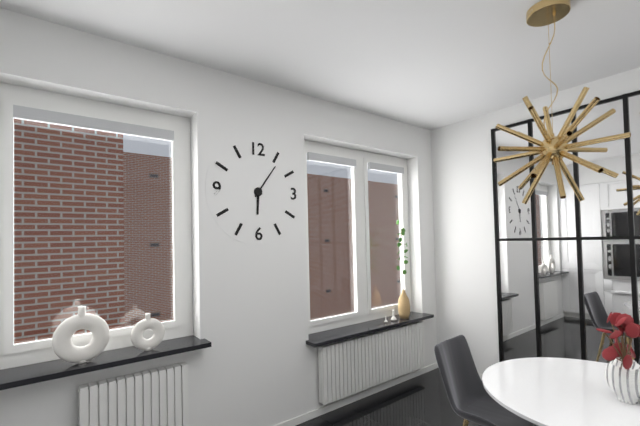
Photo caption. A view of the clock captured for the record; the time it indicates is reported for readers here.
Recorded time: 6:06
